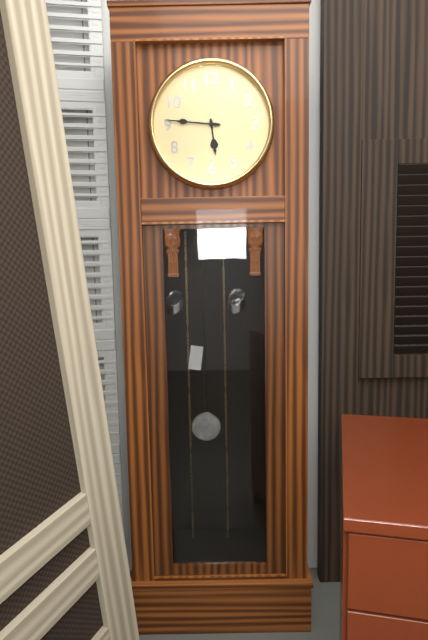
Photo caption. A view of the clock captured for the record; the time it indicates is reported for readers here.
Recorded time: 5:46
